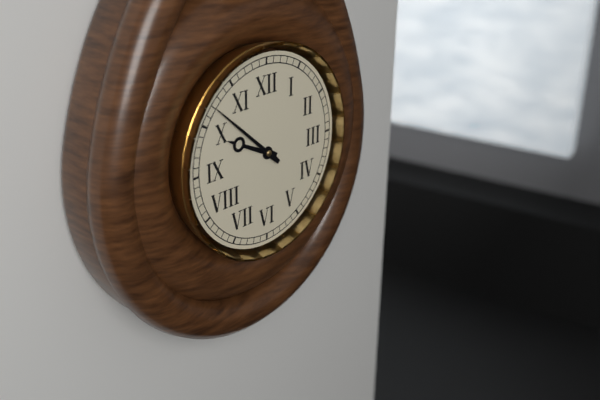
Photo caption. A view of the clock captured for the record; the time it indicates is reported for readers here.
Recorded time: 9:52
